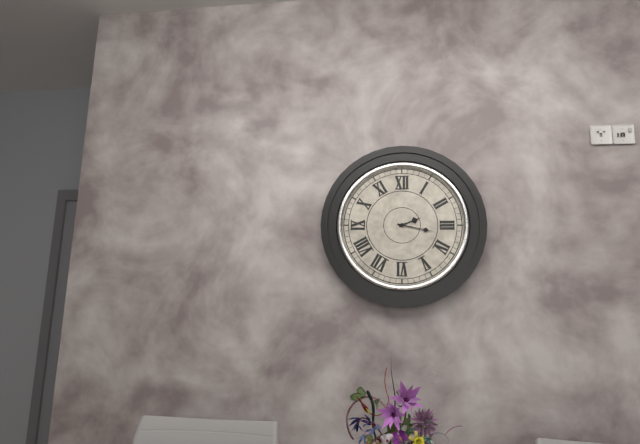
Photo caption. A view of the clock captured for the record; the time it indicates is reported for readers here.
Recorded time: 2:17
